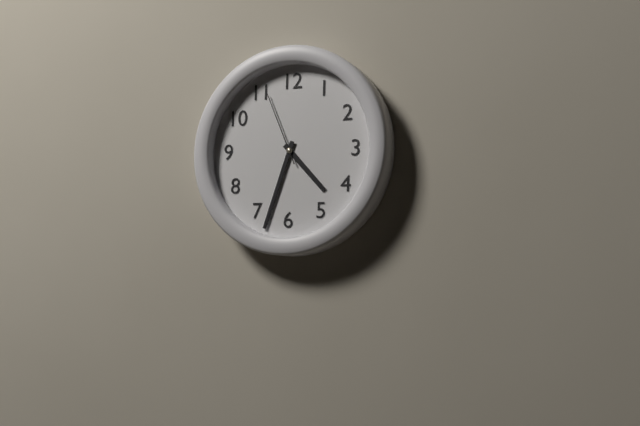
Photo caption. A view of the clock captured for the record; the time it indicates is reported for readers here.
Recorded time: 4:33:56
